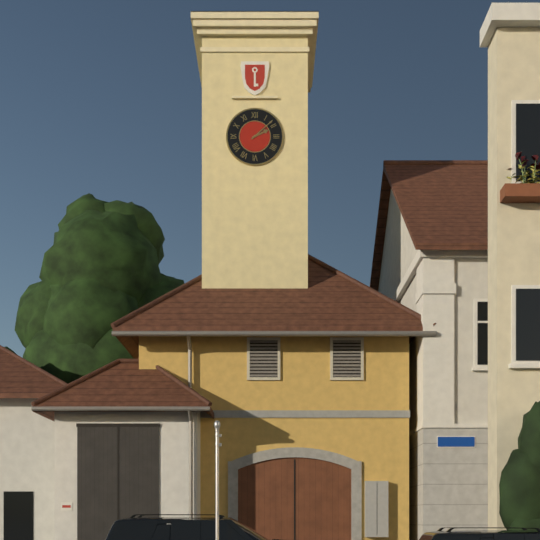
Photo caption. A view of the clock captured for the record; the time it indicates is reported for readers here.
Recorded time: 2:08
